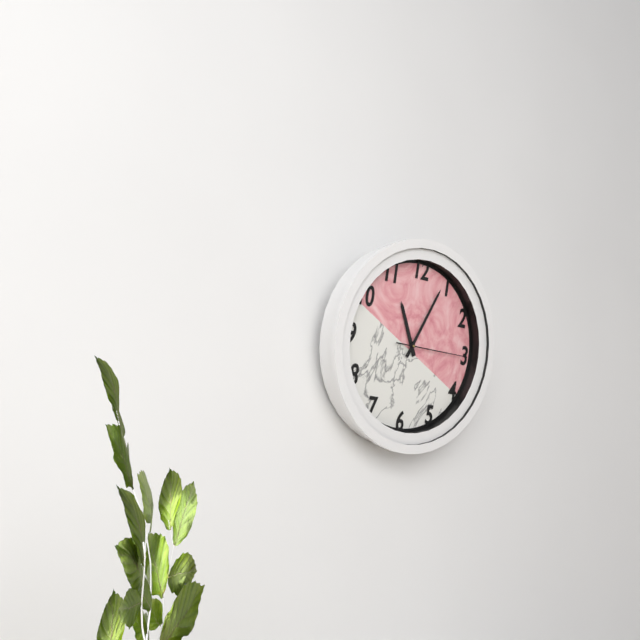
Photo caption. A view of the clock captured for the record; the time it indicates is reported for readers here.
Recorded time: 11:04:15
